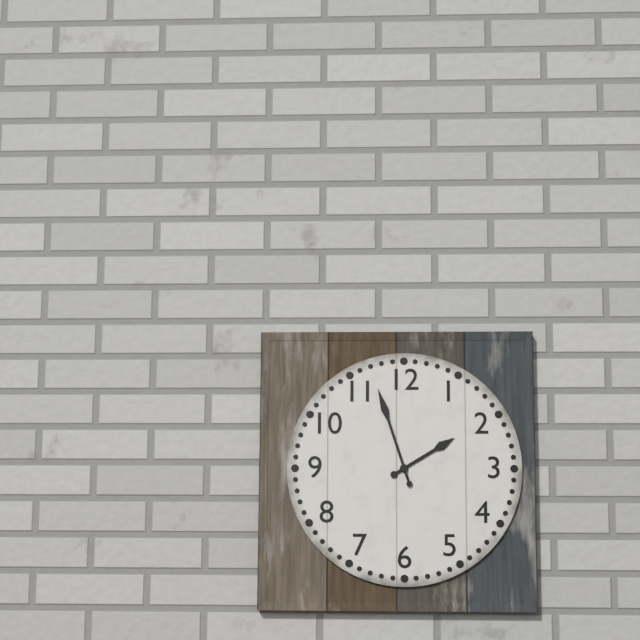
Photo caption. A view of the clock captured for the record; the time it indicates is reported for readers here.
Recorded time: 1:57
